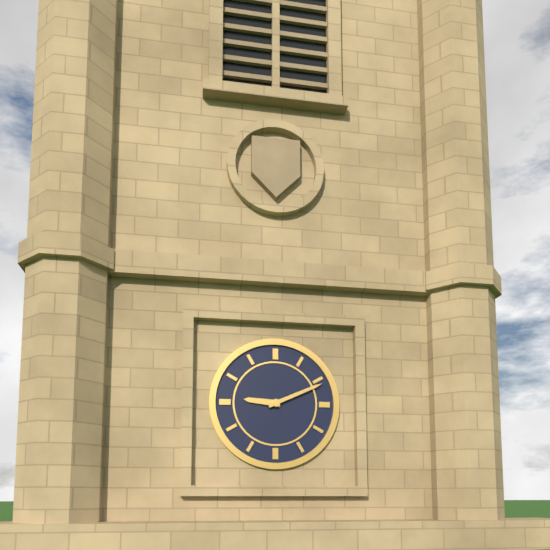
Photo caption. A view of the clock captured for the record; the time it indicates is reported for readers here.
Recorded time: 9:11
